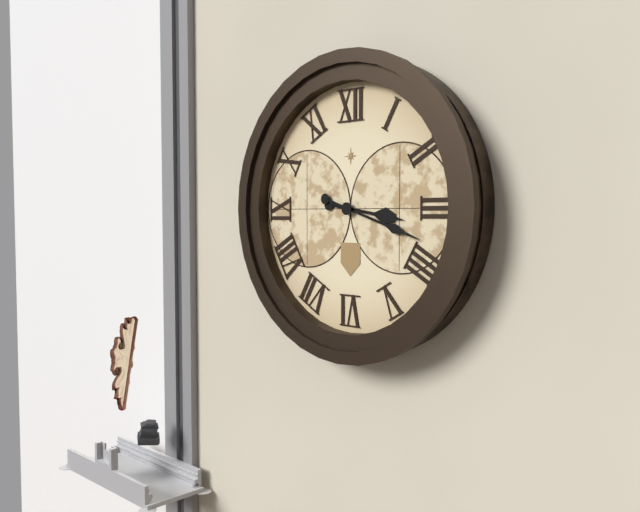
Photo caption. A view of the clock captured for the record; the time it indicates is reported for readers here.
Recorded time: 3:18
